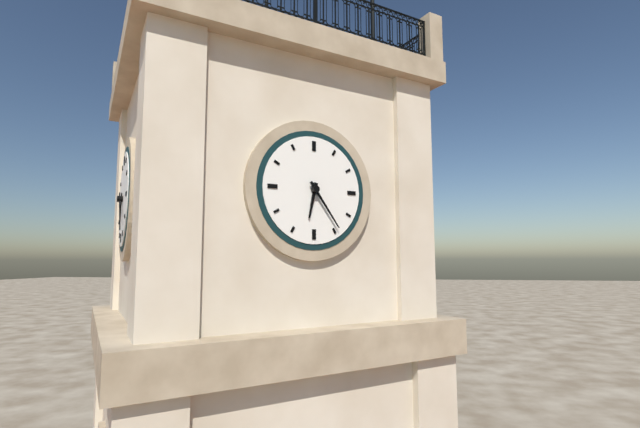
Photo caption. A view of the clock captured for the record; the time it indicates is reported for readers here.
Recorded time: 6:24
